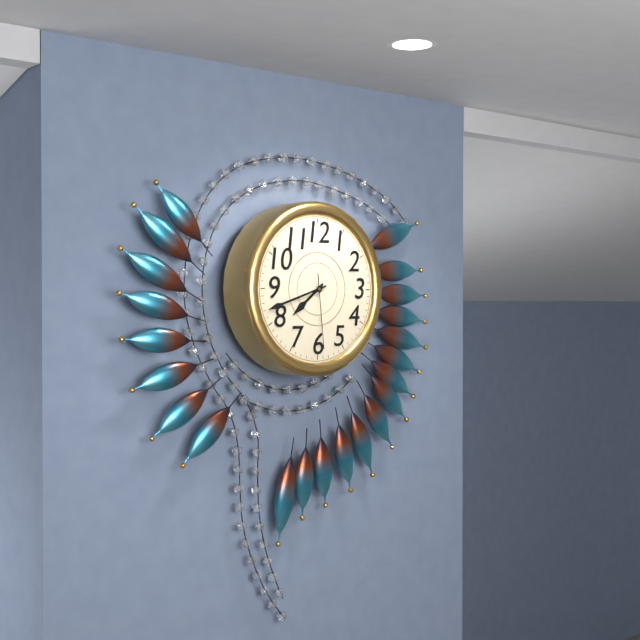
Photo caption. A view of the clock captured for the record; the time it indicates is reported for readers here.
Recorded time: 7:42:29
